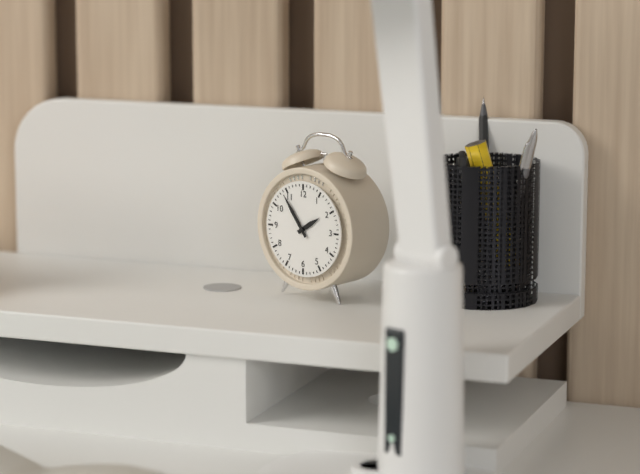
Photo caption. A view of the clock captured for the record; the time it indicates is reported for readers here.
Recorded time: 1:54
